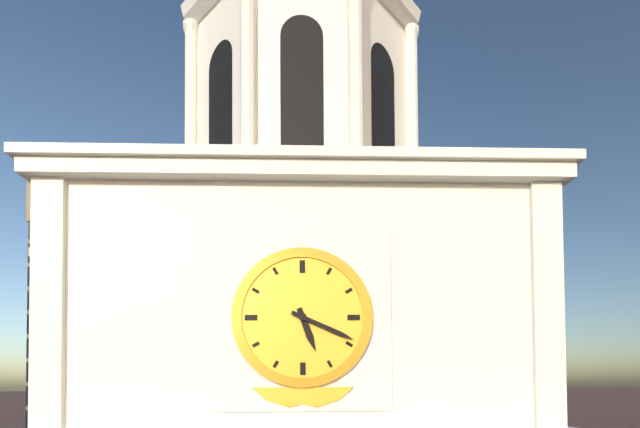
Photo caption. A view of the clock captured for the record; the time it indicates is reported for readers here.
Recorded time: 5:19
